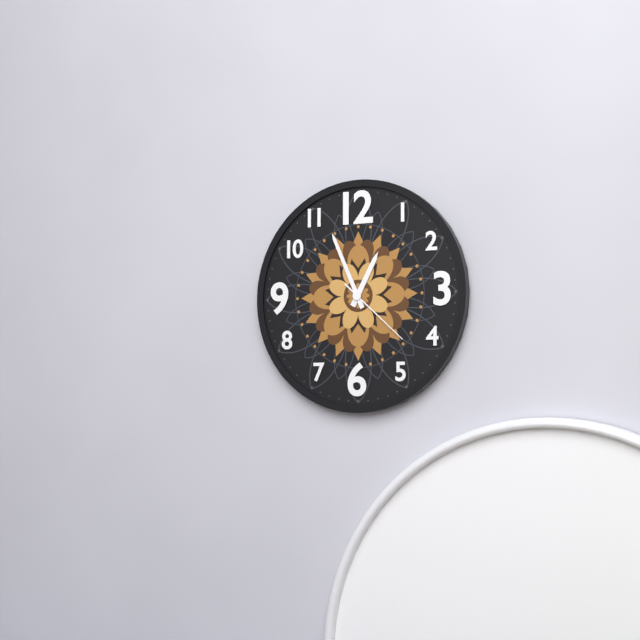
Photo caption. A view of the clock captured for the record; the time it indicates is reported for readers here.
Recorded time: 12:56:22
